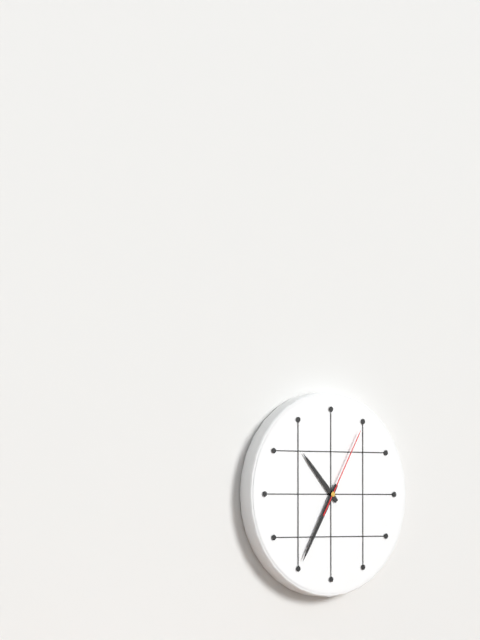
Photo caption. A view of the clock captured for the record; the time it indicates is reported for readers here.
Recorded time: 10:35:05
